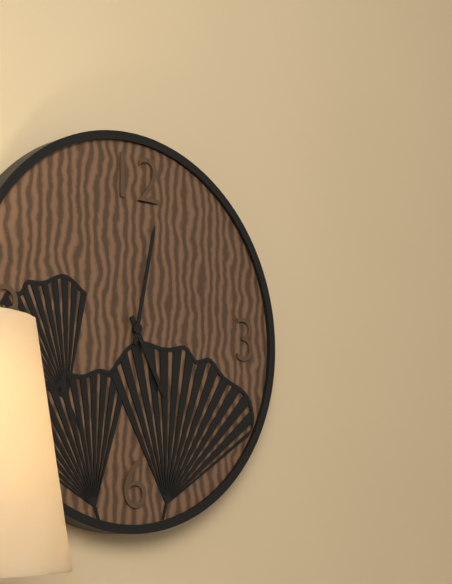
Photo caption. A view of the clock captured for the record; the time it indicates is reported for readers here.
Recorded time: 5:02
